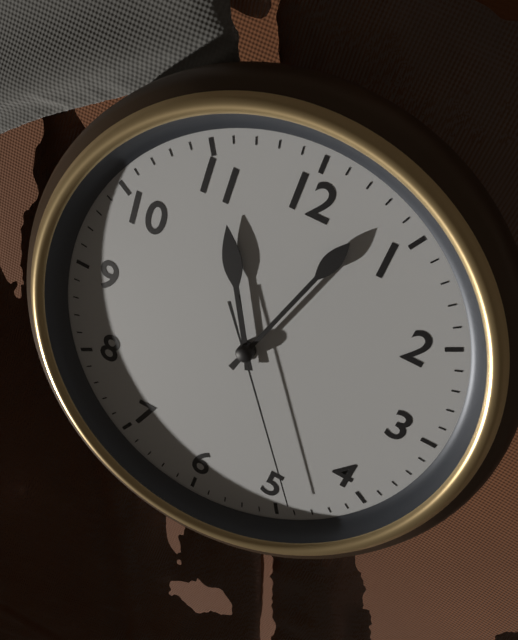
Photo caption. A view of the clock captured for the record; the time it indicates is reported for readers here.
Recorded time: 11:03:24
